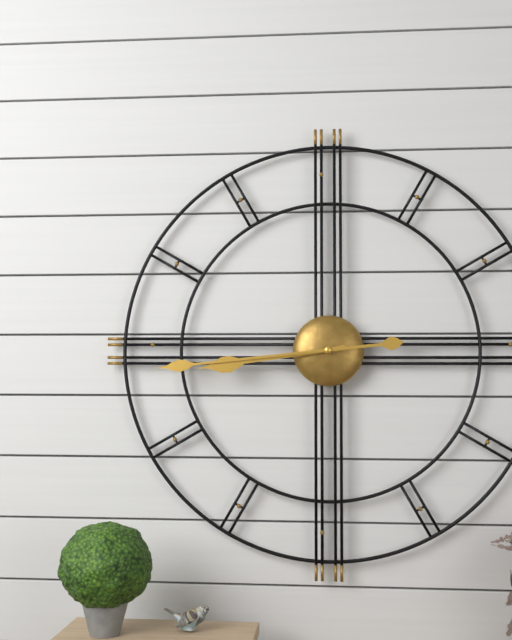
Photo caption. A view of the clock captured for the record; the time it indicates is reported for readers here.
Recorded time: 8:44
